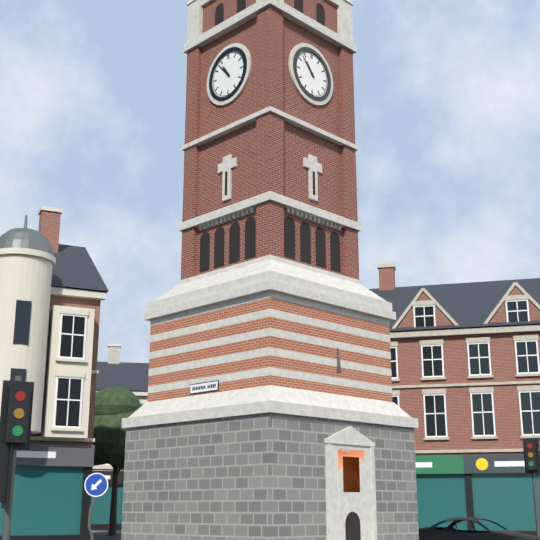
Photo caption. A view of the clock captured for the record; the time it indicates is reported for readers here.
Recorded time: 10:53
